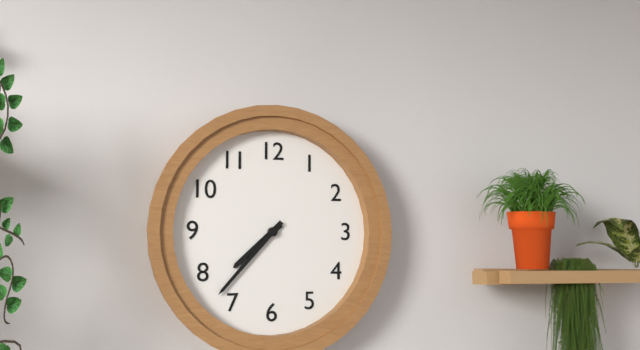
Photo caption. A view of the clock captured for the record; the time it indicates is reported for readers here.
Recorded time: 7:37
